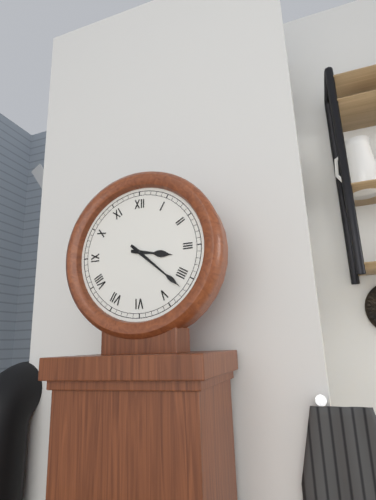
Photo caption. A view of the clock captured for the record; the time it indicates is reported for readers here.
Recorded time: 3:22
